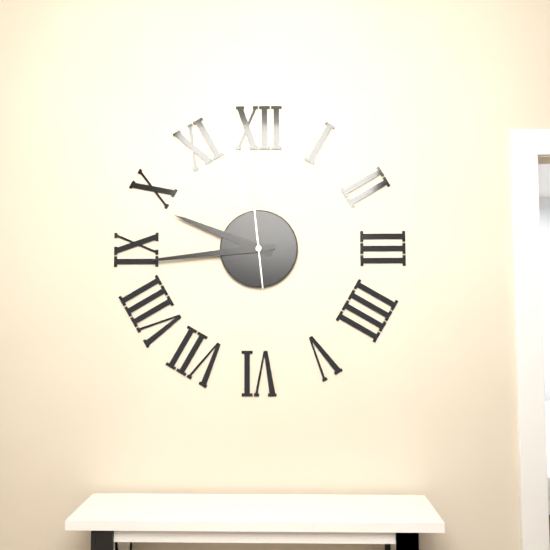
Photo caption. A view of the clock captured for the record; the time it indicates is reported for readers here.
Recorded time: 9:44:59
